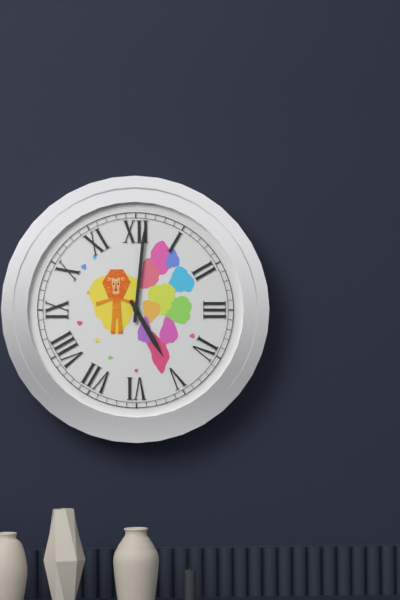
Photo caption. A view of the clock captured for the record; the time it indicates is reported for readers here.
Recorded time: 5:01
